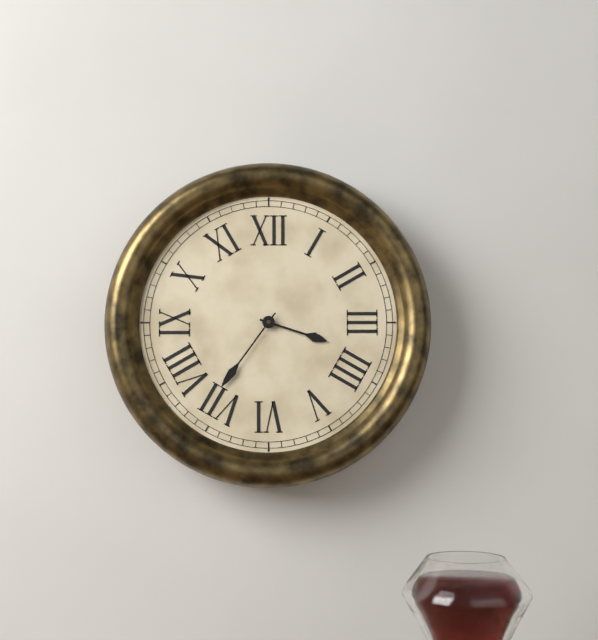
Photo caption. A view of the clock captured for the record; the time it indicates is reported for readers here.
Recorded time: 3:36
